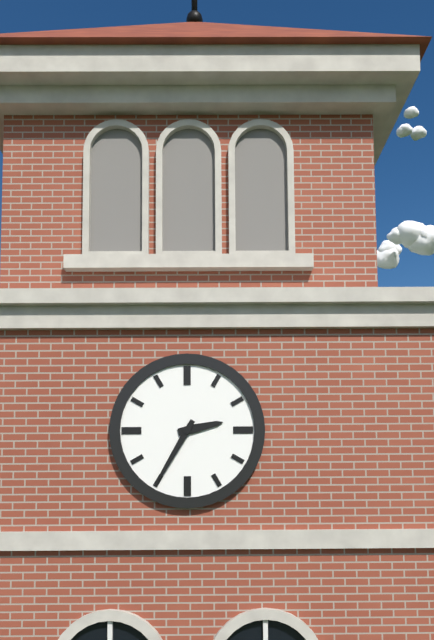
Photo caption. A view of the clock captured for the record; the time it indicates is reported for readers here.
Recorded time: 2:35
